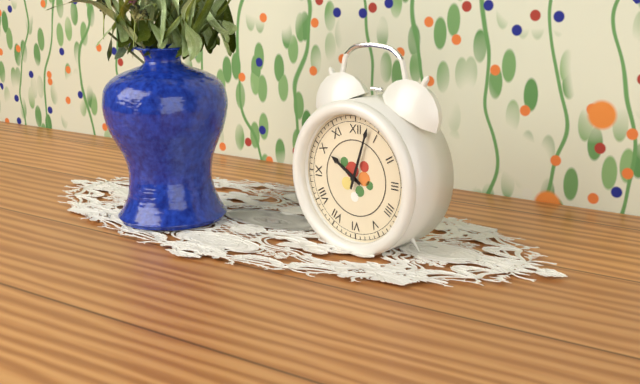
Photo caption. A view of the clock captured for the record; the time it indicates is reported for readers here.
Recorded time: 10:03
